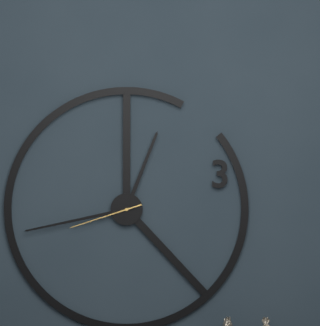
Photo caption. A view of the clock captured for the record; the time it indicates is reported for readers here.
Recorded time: 12:43:42
